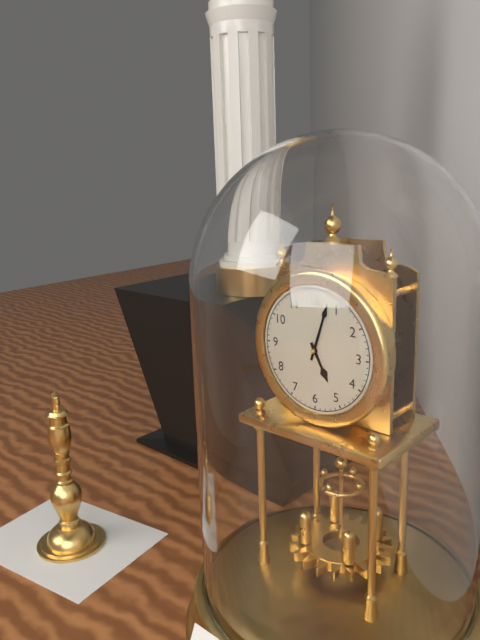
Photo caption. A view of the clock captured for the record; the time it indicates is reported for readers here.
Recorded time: 5:03
